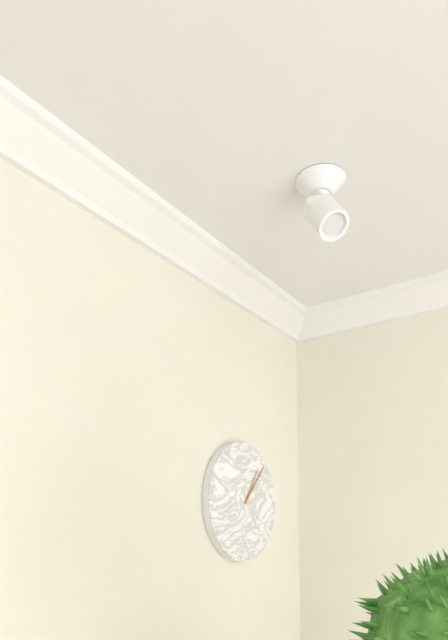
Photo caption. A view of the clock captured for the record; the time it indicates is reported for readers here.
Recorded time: 1:07
